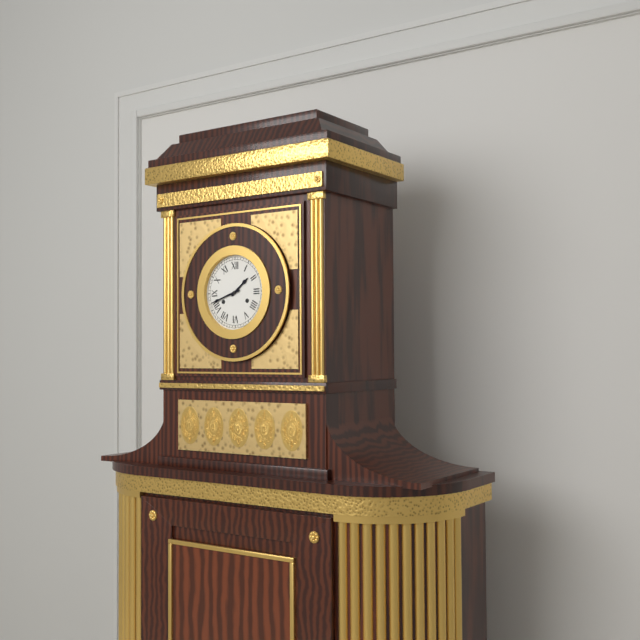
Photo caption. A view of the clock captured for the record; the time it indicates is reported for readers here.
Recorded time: 1:42
